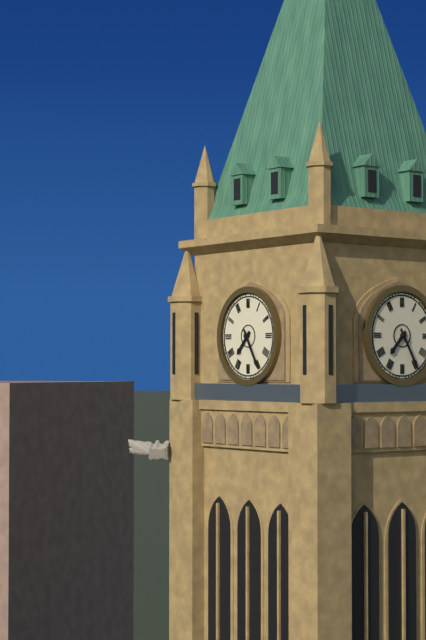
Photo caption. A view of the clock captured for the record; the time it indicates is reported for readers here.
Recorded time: 7:25
